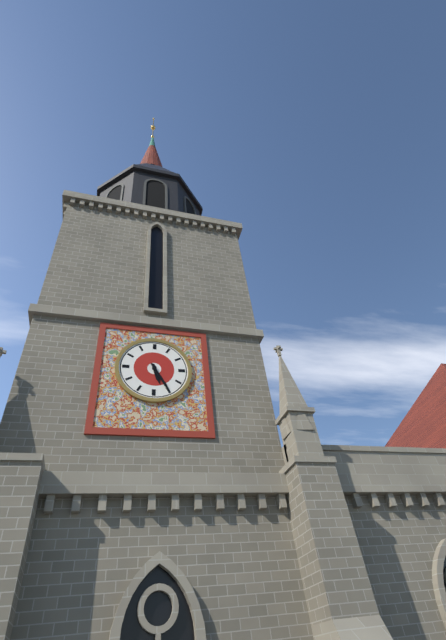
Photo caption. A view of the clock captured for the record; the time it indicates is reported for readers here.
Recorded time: 5:25
